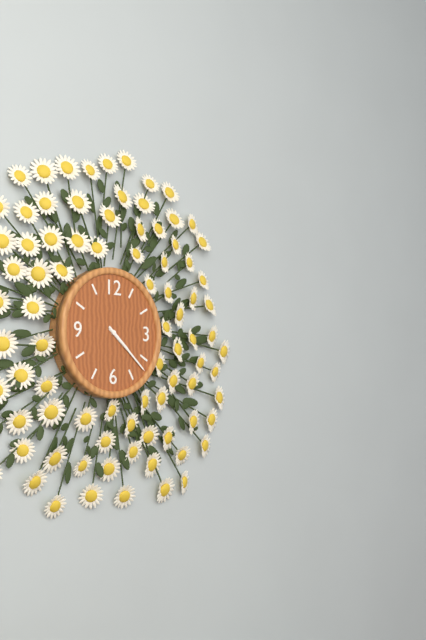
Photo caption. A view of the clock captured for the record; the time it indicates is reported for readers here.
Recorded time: 4:22
